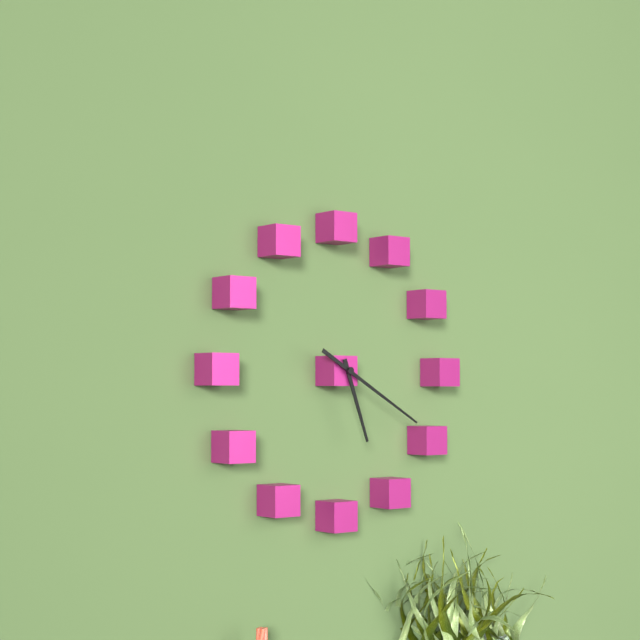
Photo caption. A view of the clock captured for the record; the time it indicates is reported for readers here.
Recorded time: 5:20
